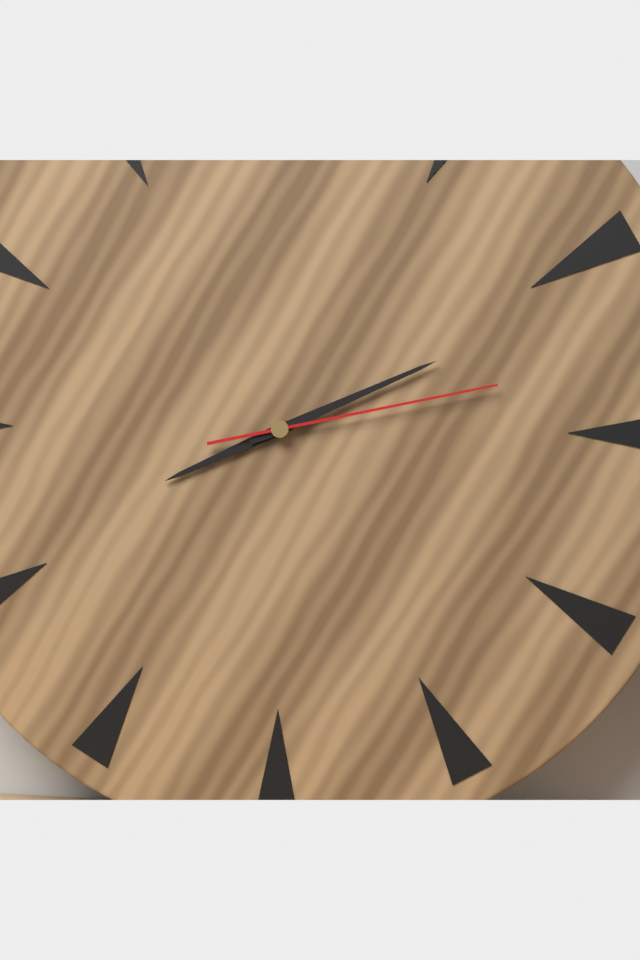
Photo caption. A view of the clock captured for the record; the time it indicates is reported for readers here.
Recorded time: 8:11:13
